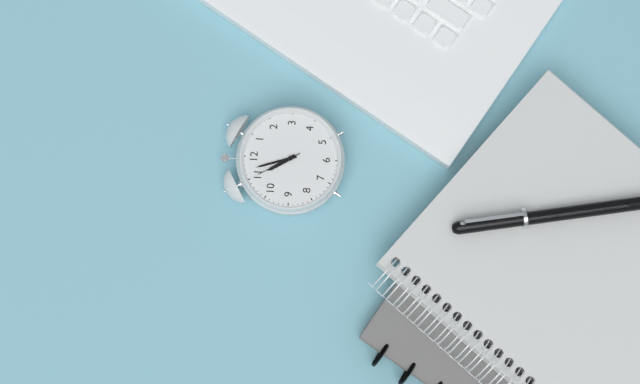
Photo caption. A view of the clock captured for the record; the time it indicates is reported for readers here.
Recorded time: 10:57
